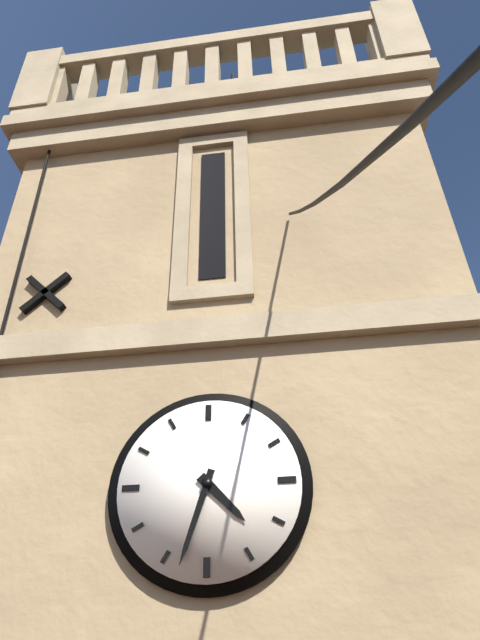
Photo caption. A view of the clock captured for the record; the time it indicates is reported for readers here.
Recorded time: 4:33
